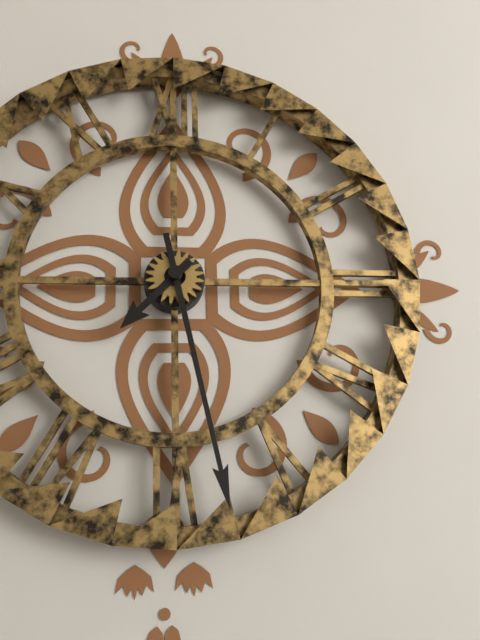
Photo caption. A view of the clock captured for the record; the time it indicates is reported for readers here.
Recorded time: 7:28
